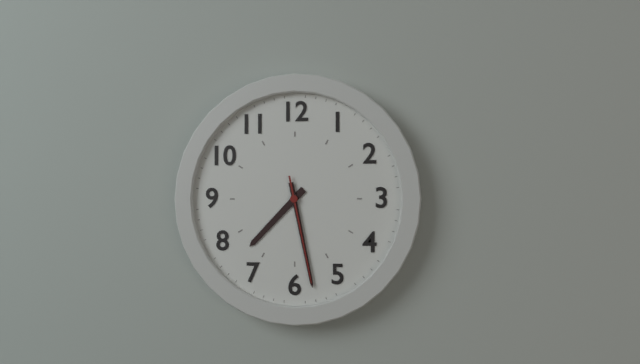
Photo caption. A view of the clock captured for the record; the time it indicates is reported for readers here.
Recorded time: 7:28:28
